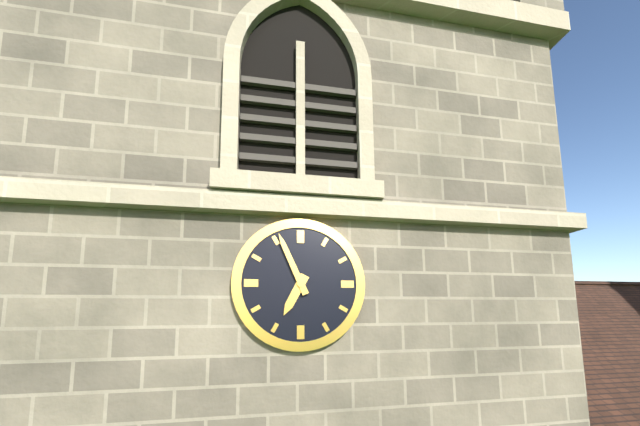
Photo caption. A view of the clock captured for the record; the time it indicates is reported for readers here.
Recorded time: 6:56
